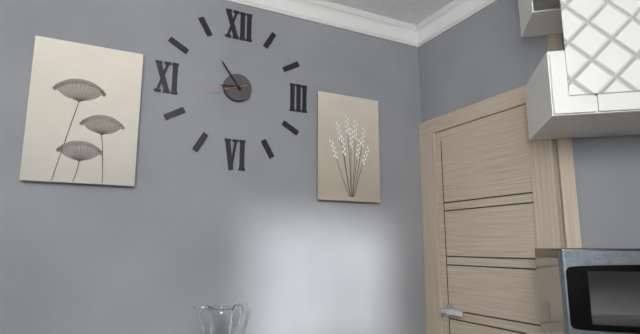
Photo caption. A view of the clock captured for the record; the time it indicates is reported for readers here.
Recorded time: 8:54
